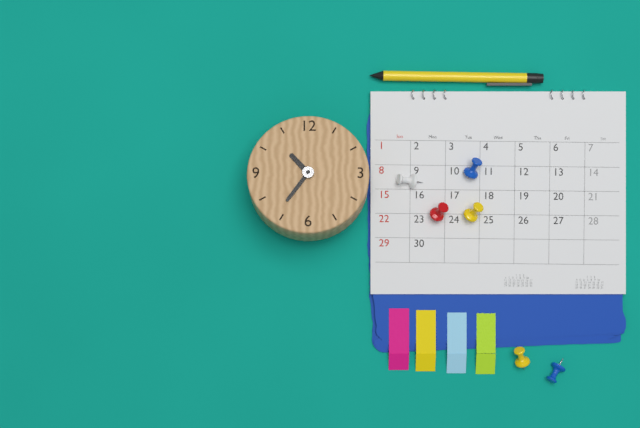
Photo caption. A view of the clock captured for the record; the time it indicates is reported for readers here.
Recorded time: 10:36
